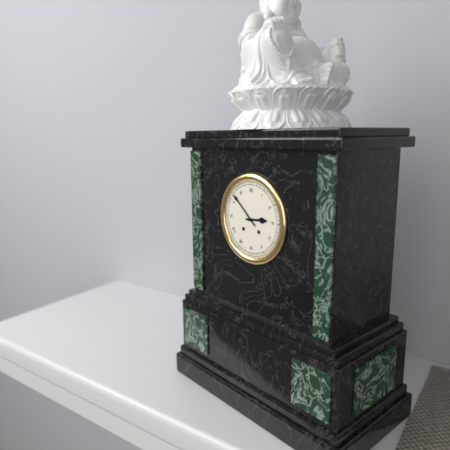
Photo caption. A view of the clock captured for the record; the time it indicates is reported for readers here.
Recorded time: 2:52
